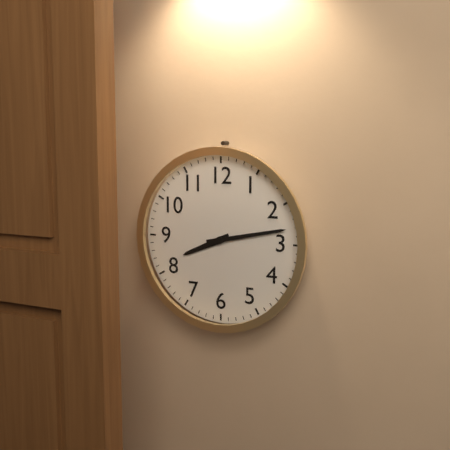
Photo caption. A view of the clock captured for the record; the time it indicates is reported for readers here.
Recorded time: 8:13
